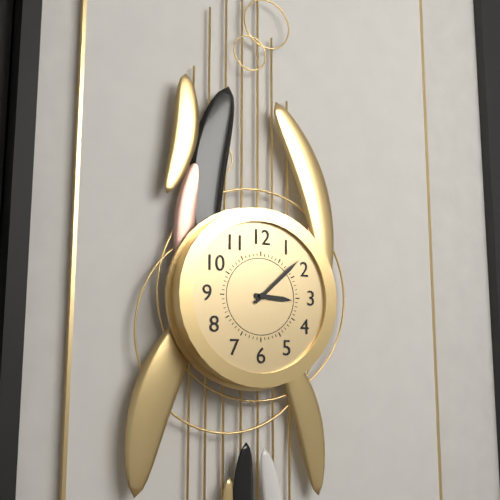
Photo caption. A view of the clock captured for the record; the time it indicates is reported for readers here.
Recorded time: 3:08
